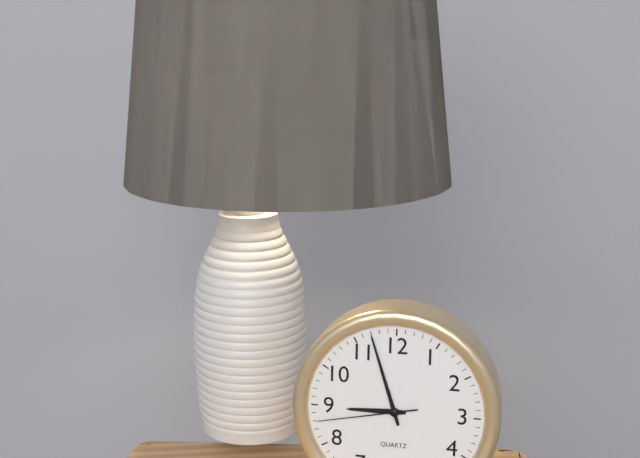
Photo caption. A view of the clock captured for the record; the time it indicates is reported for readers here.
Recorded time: 8:57:43
